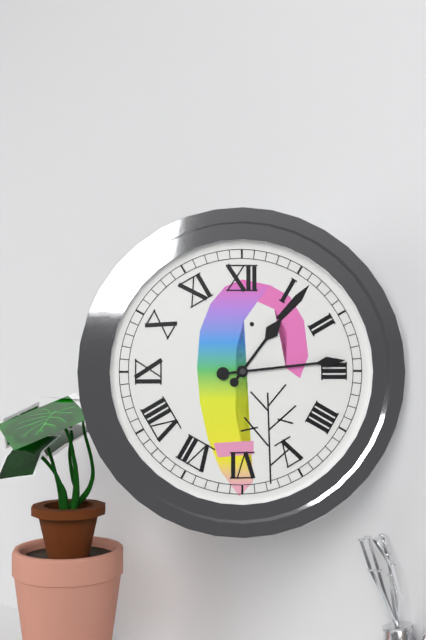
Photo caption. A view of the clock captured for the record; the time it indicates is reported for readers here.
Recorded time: 1:14
